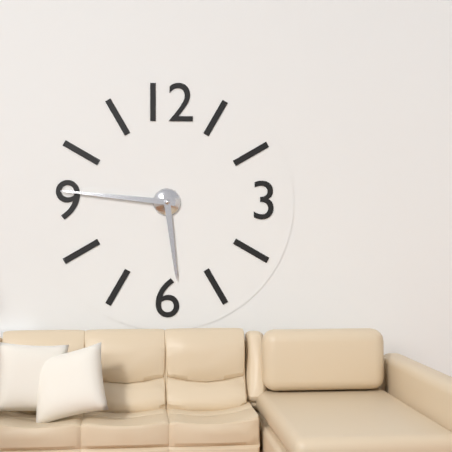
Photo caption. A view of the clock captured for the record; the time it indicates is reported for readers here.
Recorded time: 5:46
